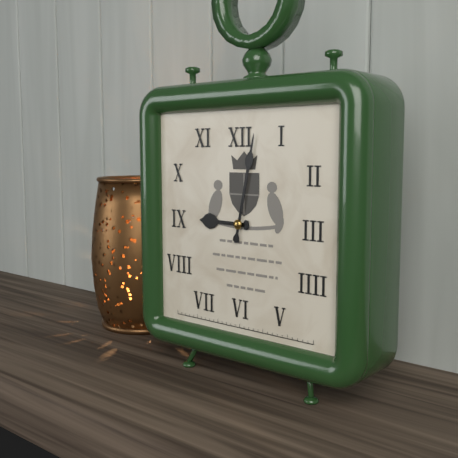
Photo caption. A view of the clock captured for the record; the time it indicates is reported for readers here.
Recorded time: 9:02
